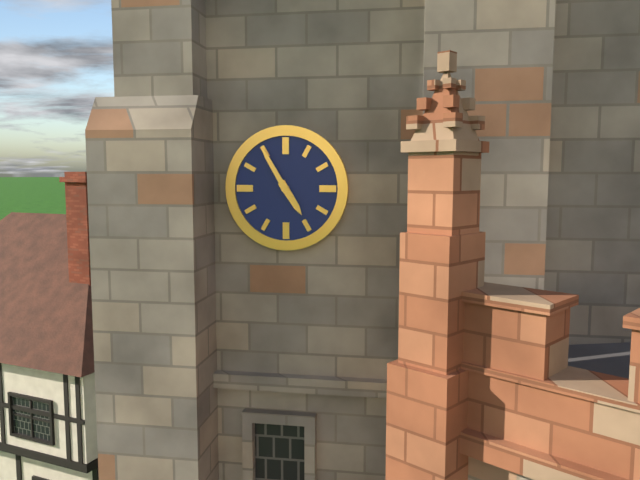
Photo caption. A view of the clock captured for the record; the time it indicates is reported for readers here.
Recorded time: 4:55
